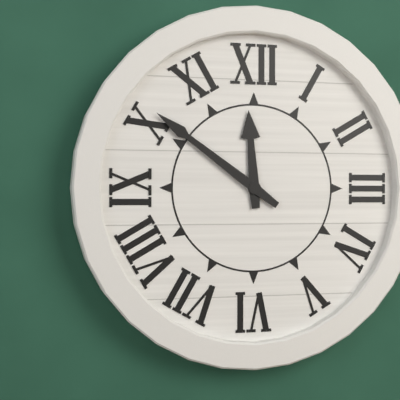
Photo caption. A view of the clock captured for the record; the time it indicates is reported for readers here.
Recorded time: 11:51
